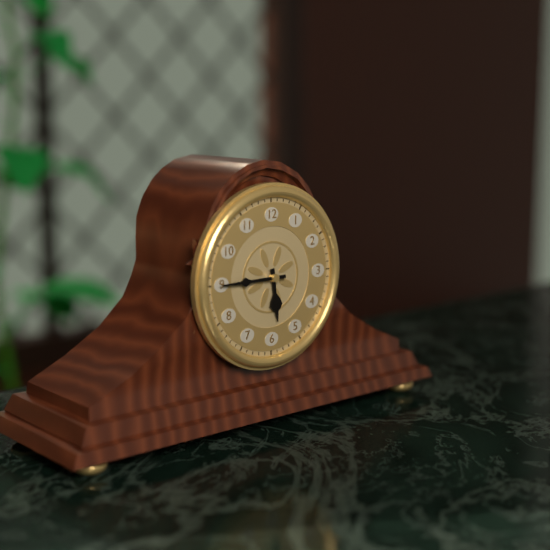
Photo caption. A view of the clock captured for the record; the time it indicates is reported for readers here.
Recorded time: 5:45
